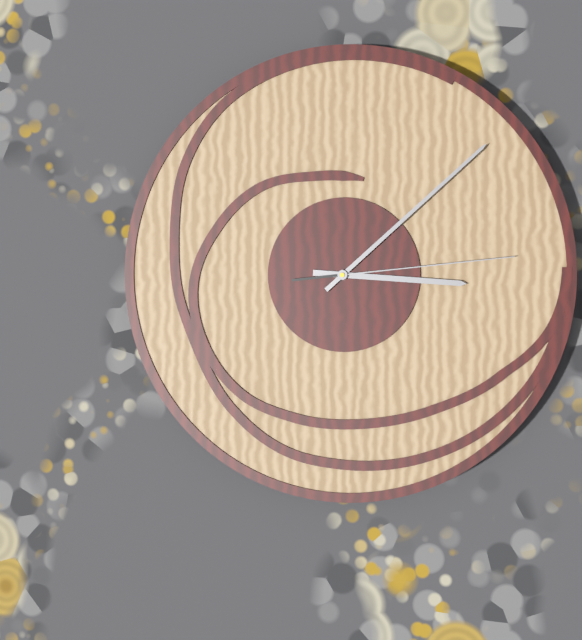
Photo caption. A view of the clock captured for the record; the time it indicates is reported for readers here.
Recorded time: 3:08:14
